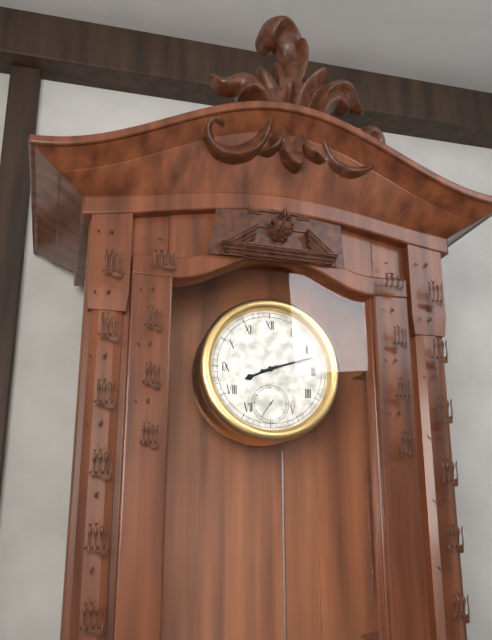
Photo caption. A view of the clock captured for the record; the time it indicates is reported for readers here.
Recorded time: 8:12
